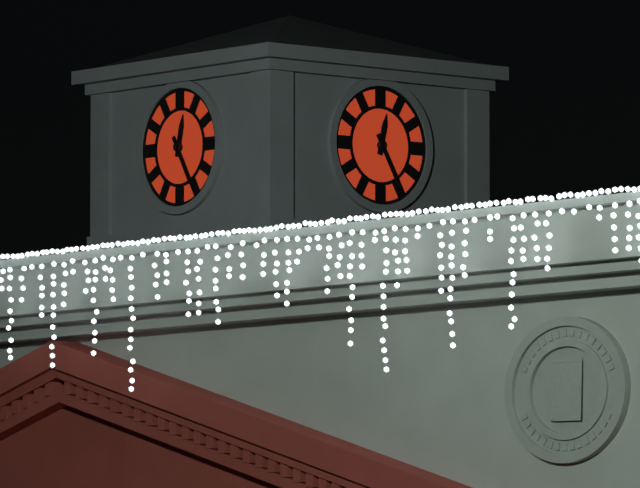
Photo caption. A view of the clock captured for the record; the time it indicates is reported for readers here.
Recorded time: 12:25
